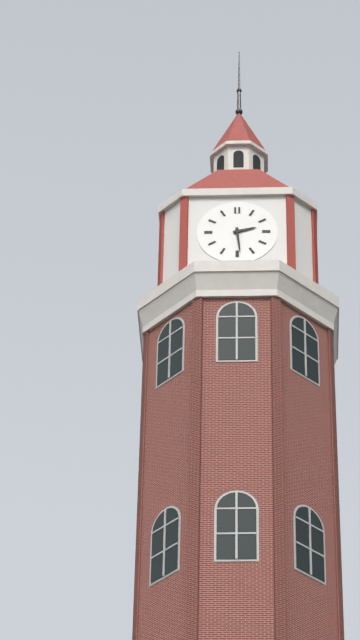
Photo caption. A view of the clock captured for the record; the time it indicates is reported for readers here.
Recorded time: 2:29
